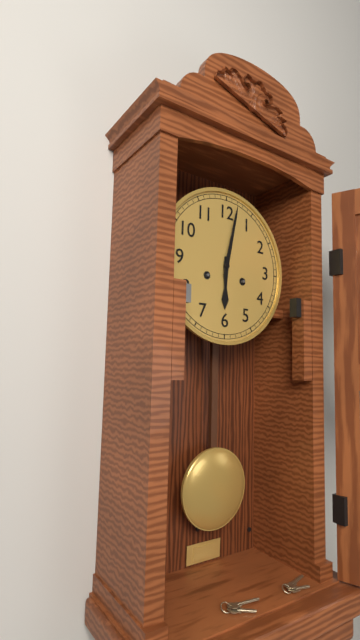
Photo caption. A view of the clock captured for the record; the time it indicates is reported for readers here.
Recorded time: 6:02
